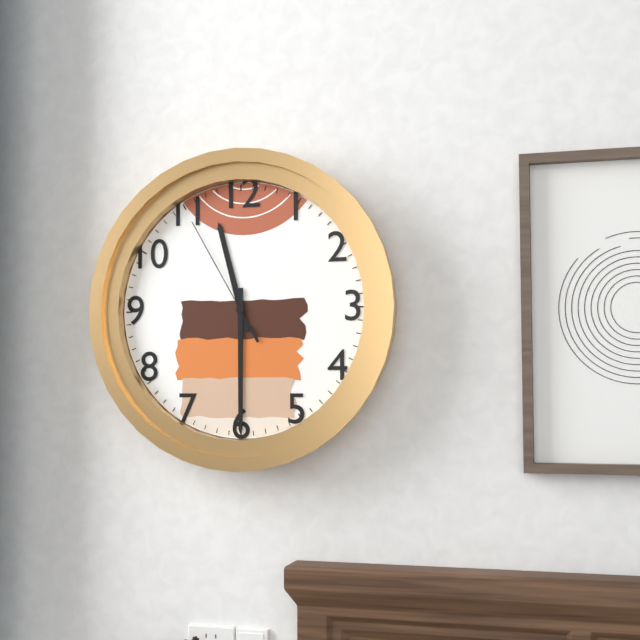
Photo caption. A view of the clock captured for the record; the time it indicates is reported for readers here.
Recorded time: 11:30:55
